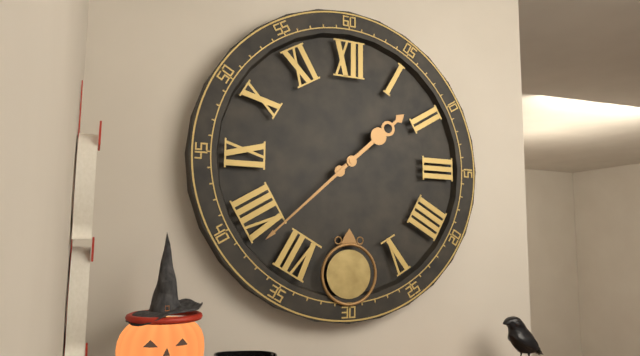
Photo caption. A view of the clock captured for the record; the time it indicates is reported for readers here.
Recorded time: 1:38
